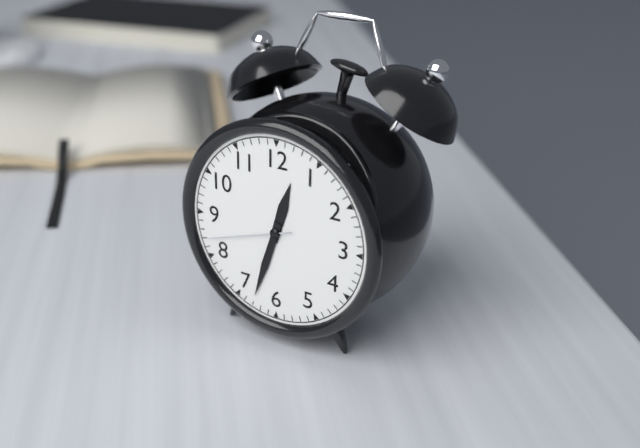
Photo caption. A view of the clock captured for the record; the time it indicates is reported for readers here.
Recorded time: 12:33:42
